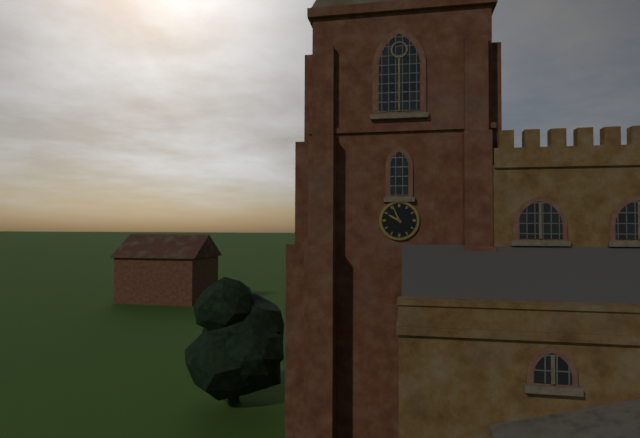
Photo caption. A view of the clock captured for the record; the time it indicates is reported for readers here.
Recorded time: 9:56
